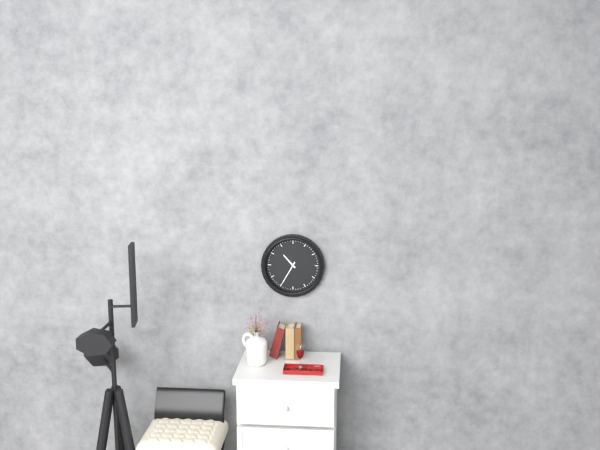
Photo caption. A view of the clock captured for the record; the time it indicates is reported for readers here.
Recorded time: 10:35
